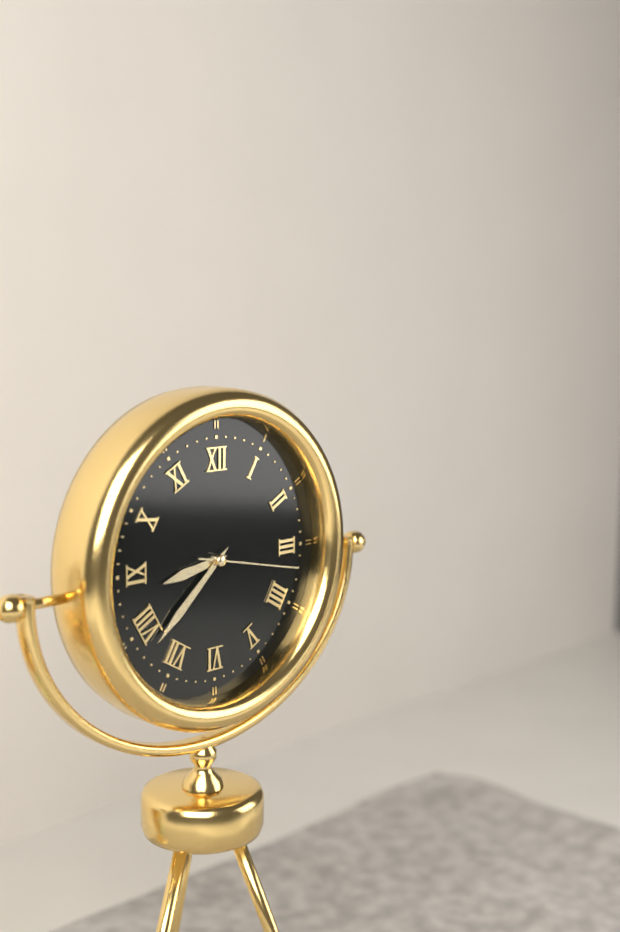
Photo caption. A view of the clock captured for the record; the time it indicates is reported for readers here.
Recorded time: 8:38:17
